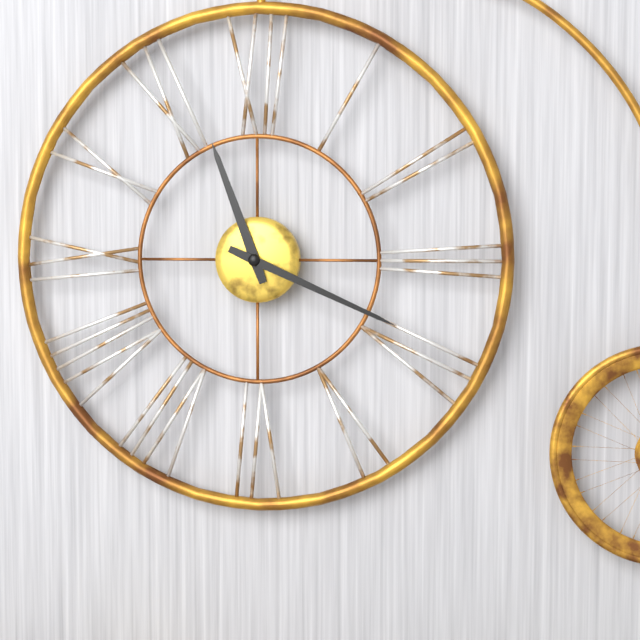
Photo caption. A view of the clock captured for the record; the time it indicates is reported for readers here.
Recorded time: 11:19
